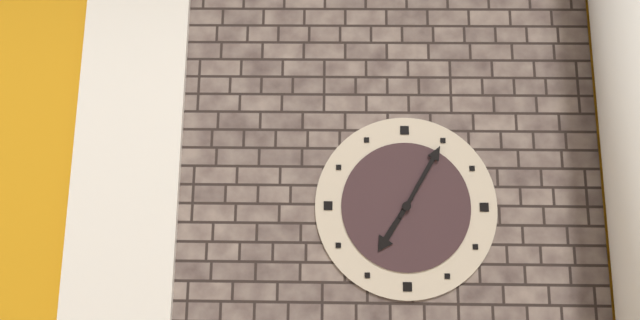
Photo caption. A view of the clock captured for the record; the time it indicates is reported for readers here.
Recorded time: 7:05
